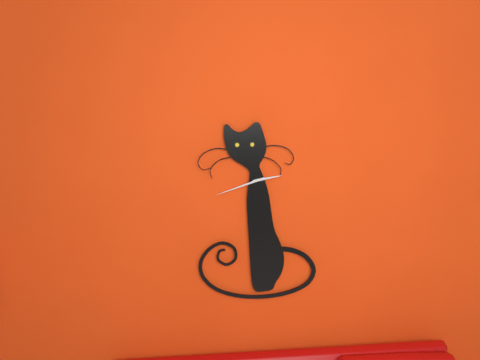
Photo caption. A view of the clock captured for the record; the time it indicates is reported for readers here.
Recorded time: 2:42
